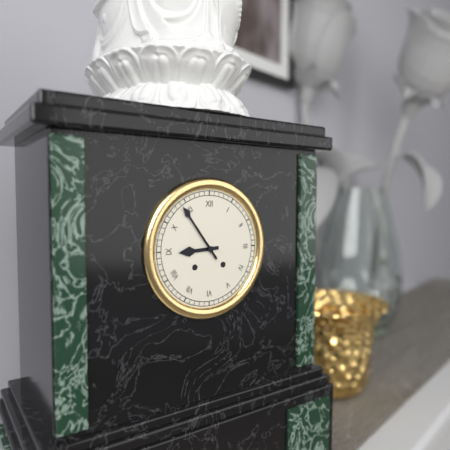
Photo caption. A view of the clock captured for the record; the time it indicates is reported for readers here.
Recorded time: 8:54
